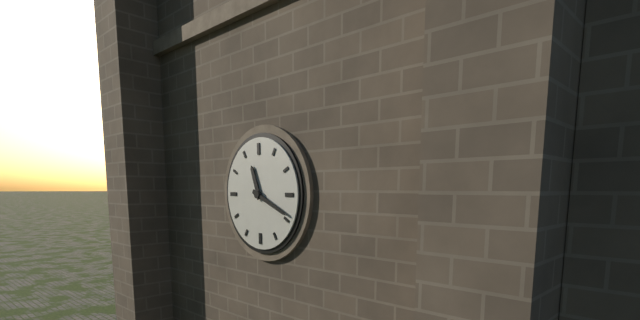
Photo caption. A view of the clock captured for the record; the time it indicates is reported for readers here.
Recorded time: 11:19
